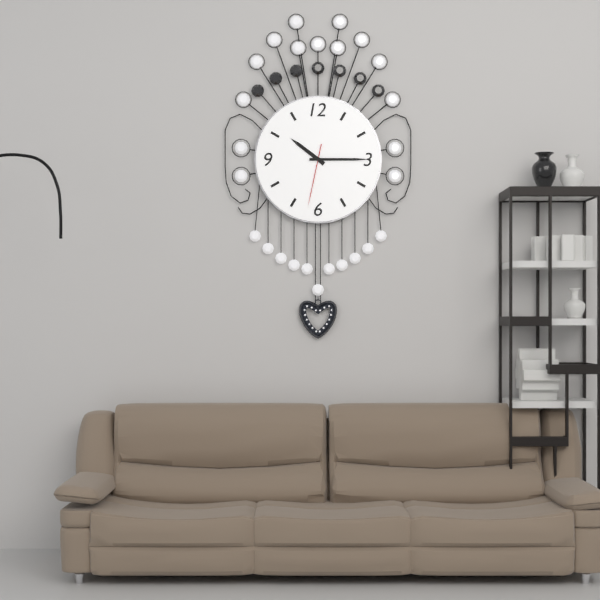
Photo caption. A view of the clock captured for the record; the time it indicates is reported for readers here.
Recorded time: 10:15:32
